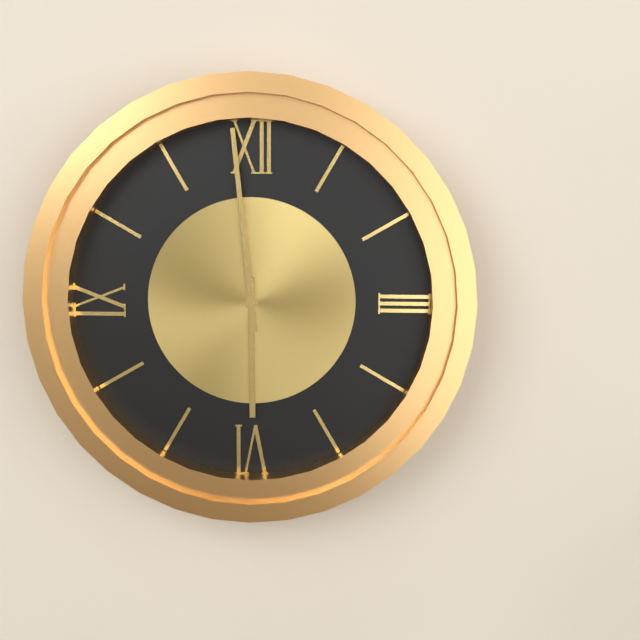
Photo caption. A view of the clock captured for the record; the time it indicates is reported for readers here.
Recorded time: 5:59
